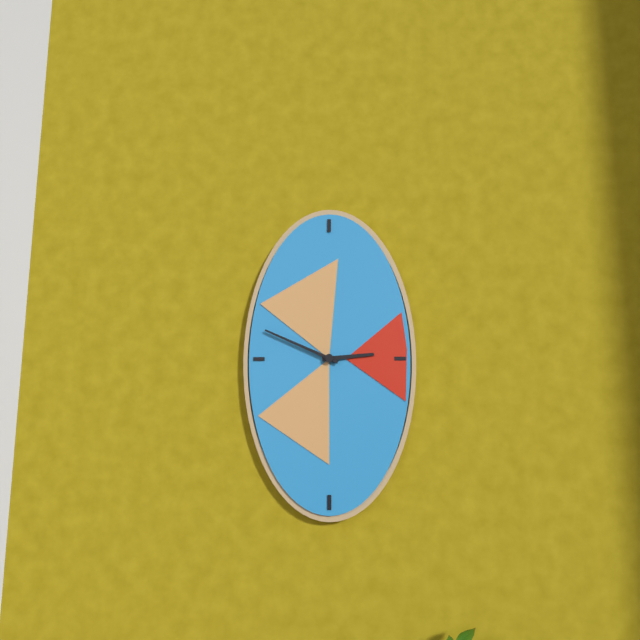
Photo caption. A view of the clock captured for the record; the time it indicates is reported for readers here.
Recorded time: 2:49
